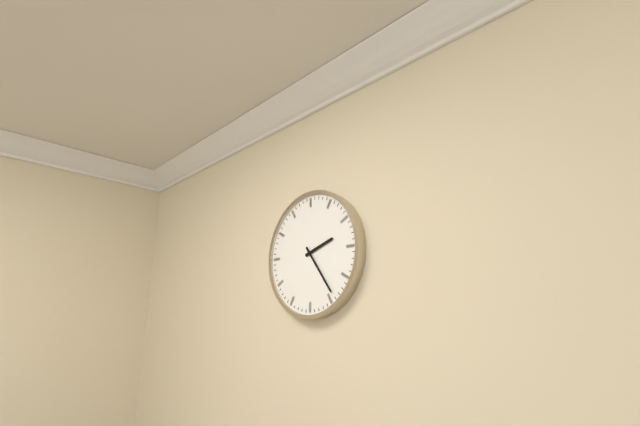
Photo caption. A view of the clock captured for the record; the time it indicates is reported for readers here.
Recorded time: 2:24
